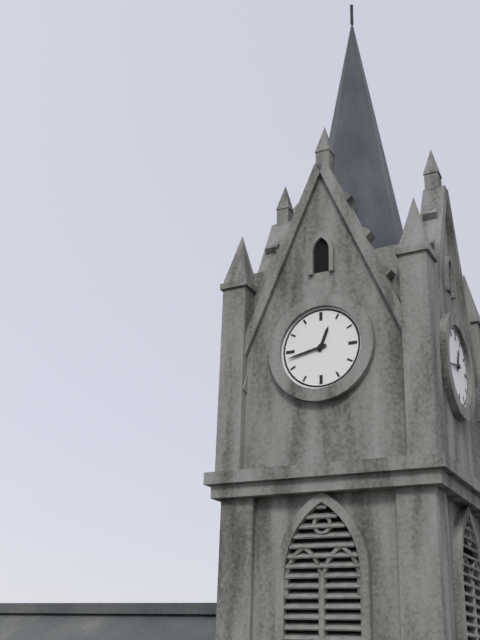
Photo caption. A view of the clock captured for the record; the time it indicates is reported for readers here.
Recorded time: 12:43
